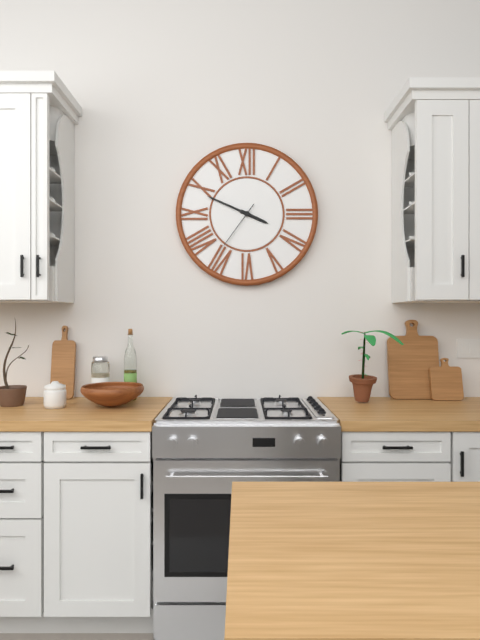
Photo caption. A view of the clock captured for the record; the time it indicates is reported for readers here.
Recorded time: 3:49
